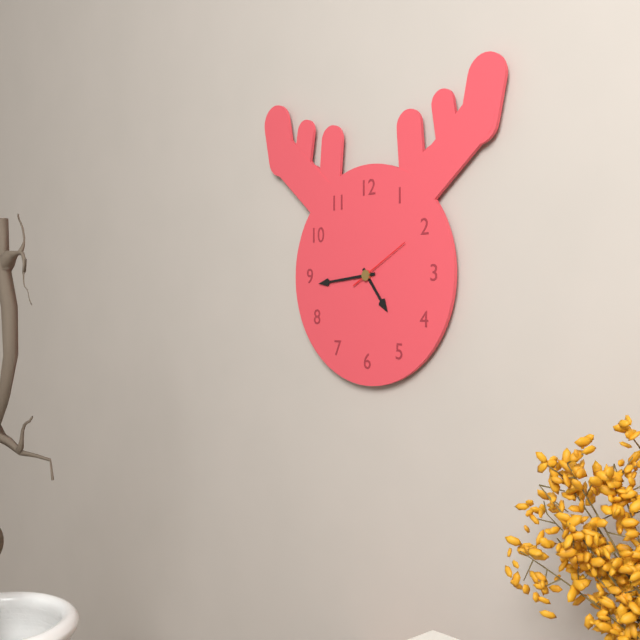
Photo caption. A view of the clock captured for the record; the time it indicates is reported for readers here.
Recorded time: 4:44:10
